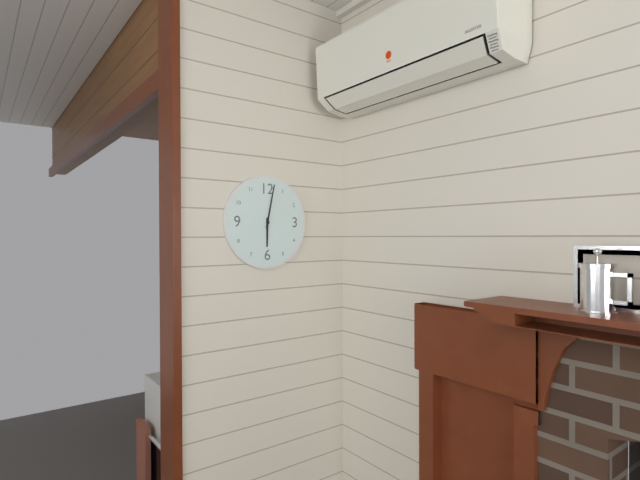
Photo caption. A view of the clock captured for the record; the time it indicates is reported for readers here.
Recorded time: 6:02
